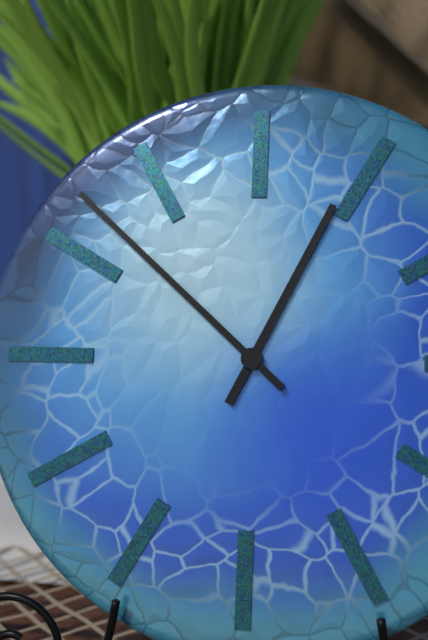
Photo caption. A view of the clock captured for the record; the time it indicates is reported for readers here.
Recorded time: 12:52
